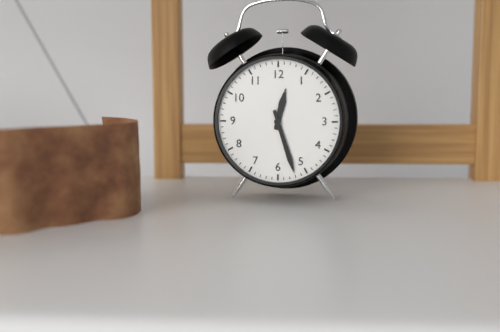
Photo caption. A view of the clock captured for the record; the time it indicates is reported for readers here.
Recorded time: 12:27
